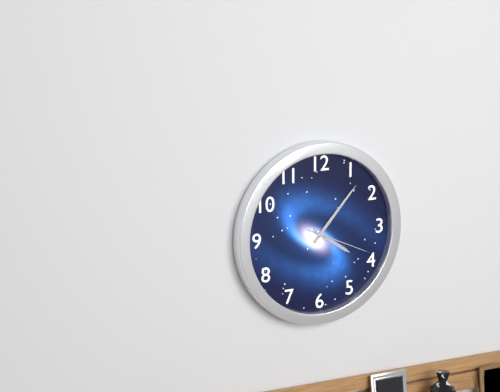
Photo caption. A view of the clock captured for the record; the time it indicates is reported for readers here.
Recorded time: 4:07:19
